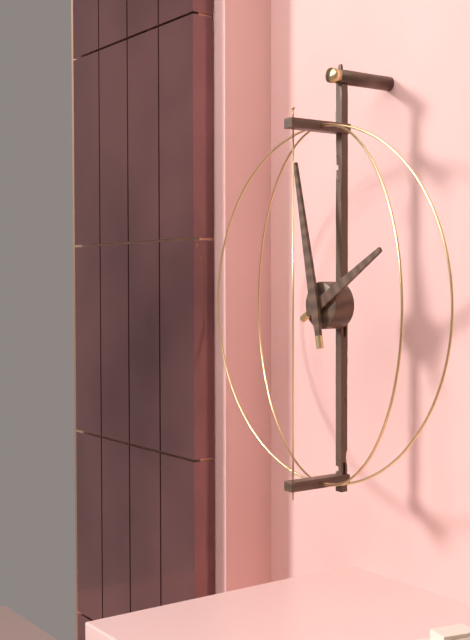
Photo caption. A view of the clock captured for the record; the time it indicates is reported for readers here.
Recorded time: 1:58
